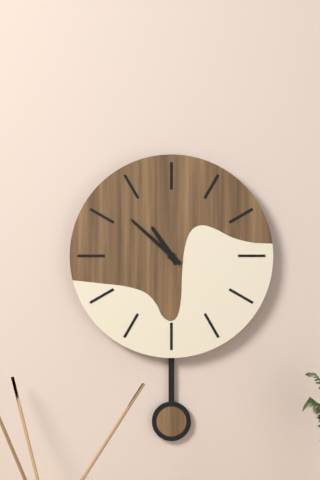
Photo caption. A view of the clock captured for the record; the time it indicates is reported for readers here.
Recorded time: 10:52
